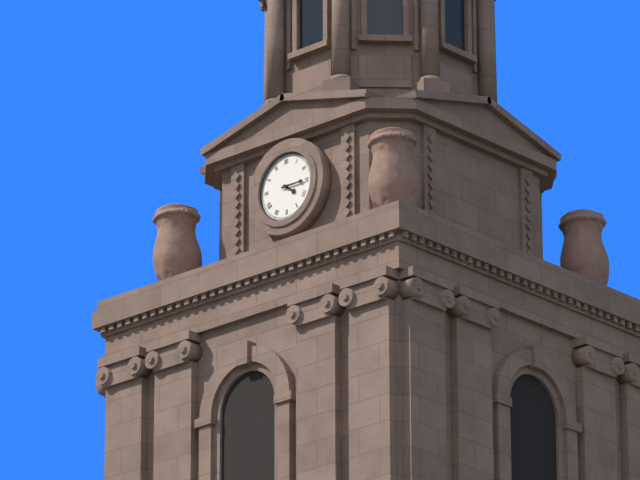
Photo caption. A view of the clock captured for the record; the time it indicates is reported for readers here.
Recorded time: 4:15
